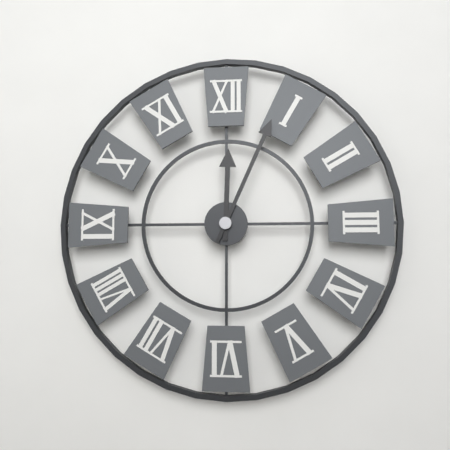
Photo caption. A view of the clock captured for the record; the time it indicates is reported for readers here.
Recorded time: 12:04
